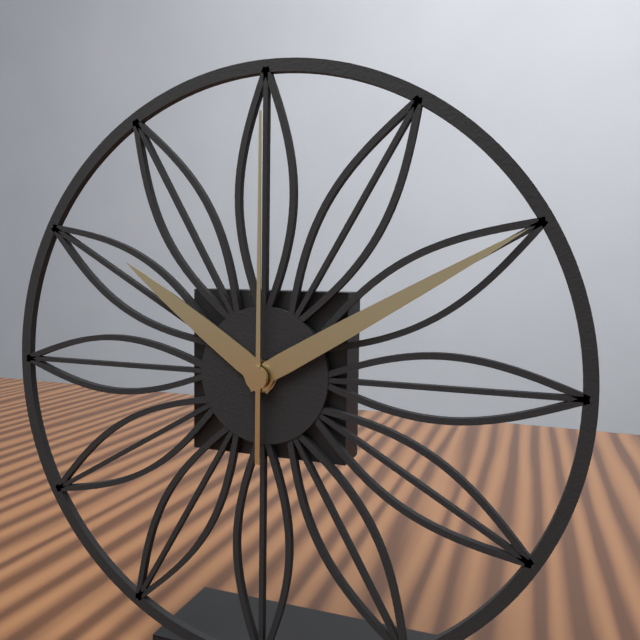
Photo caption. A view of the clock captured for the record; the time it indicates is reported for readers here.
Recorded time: 10:10:00
